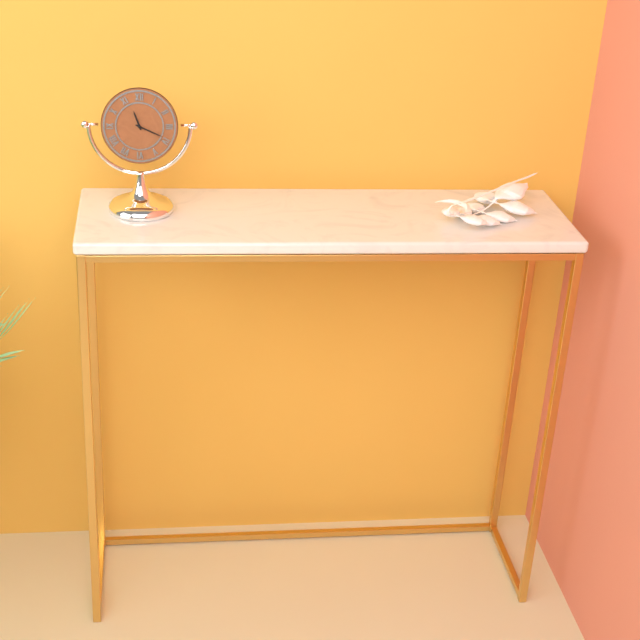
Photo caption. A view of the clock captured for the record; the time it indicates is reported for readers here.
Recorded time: 11:19
